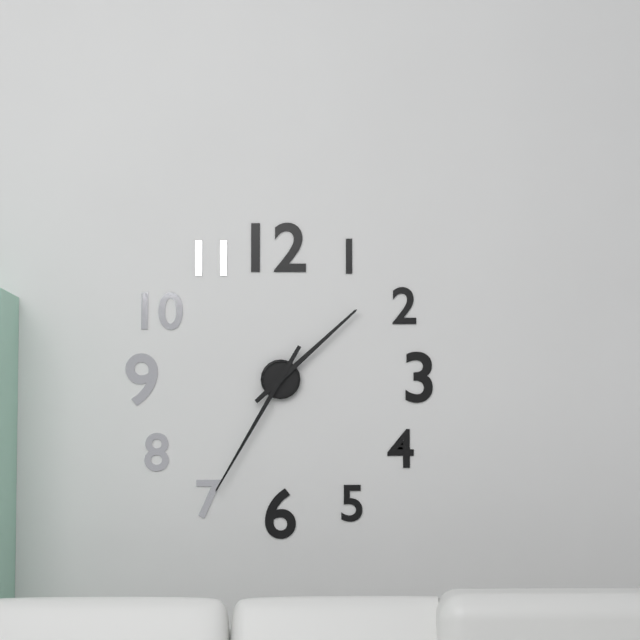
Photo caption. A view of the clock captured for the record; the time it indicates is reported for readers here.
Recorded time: 1:35
